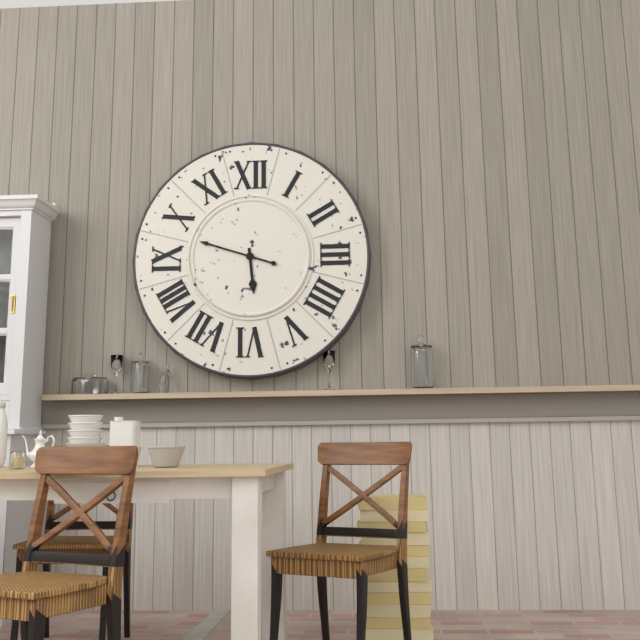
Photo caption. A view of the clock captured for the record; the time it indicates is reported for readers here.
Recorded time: 5:48
